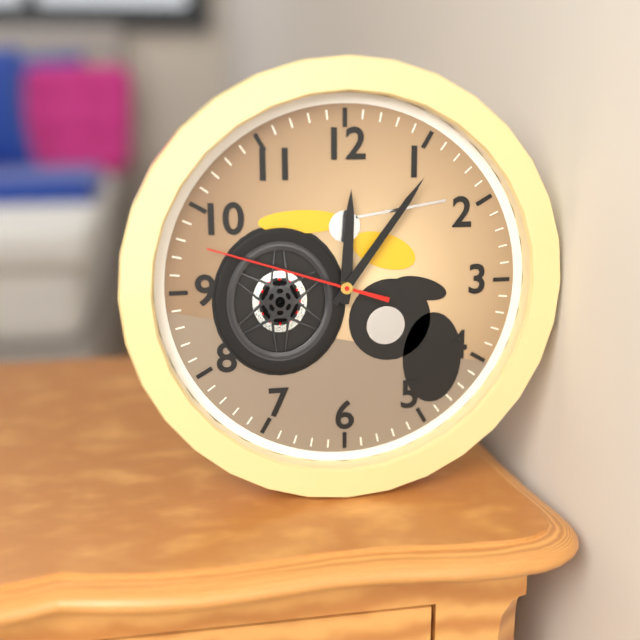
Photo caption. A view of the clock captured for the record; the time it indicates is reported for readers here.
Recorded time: 12:06:48
